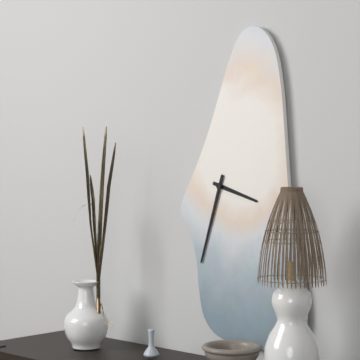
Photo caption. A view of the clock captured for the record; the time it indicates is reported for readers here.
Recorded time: 3:33
